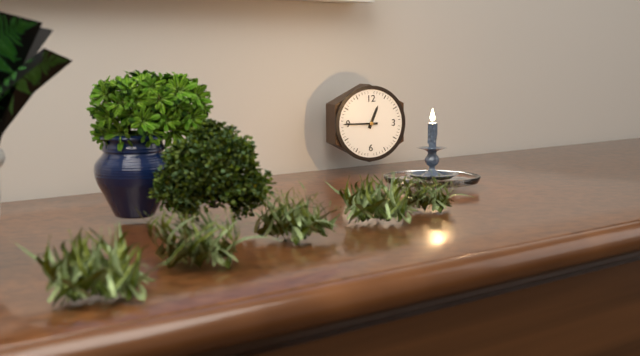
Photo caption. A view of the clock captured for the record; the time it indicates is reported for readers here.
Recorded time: 12:45
